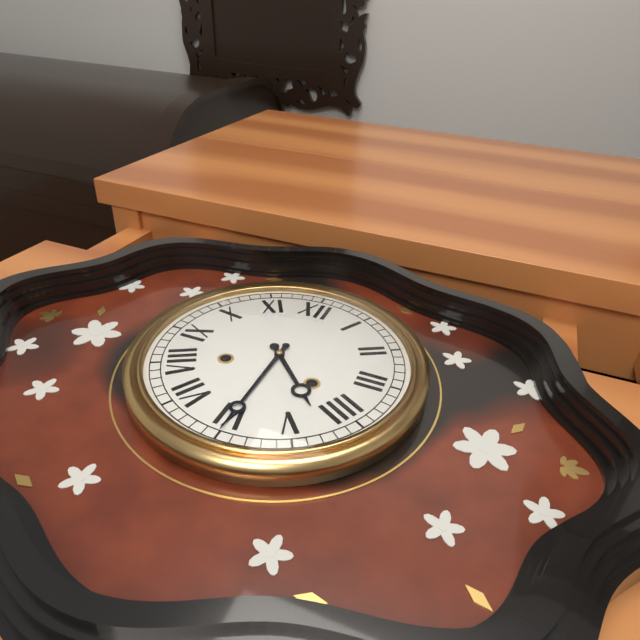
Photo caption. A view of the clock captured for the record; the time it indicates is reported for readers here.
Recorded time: 4:30
